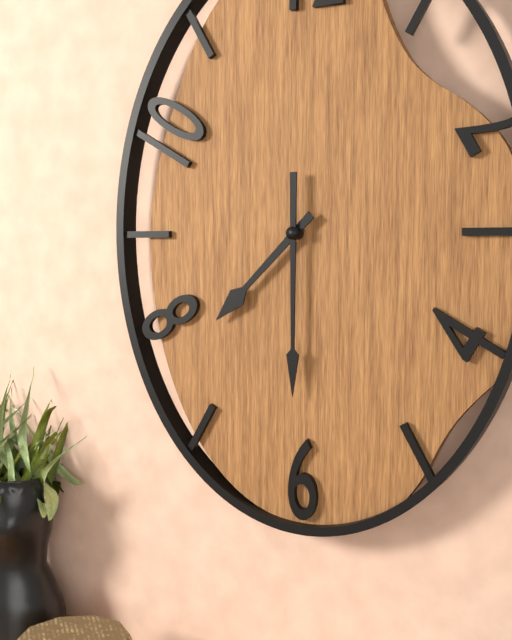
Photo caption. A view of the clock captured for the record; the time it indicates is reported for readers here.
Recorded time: 7:30
